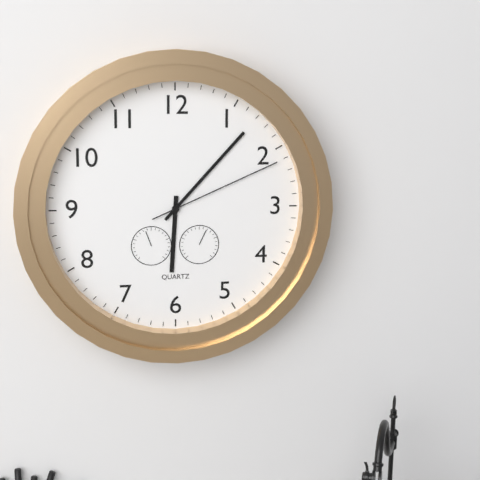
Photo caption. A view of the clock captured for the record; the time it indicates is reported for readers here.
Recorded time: 6:07:11
